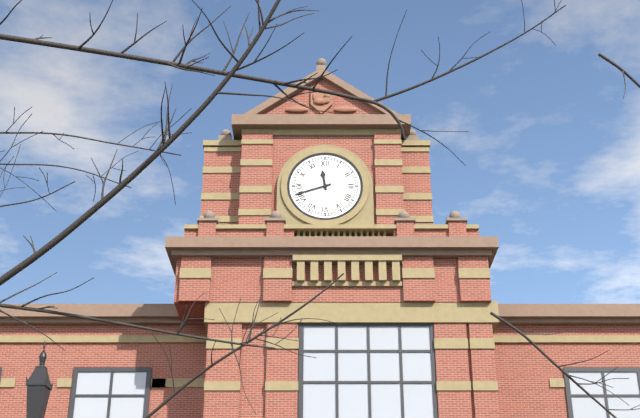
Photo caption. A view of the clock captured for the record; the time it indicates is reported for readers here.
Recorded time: 11:42
